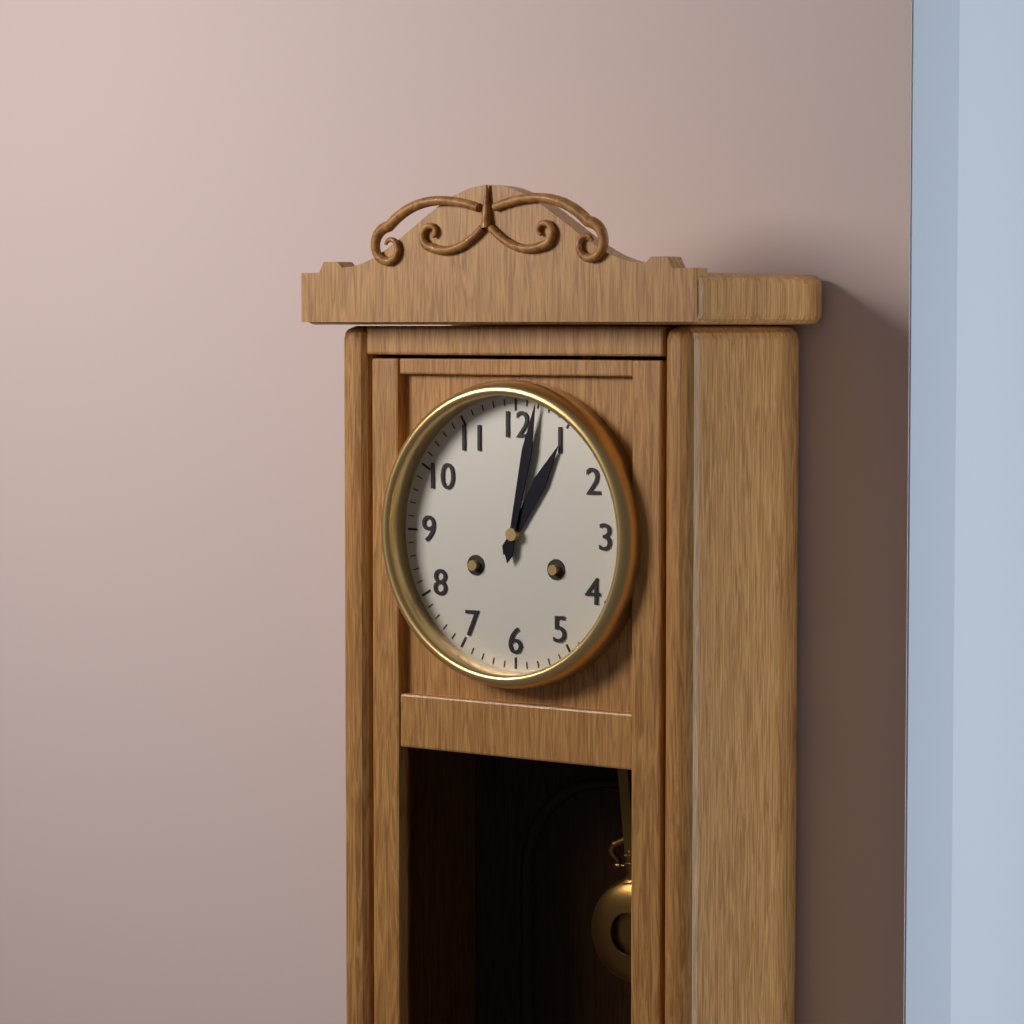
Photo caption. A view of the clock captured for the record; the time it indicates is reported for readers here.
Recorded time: 1:02
